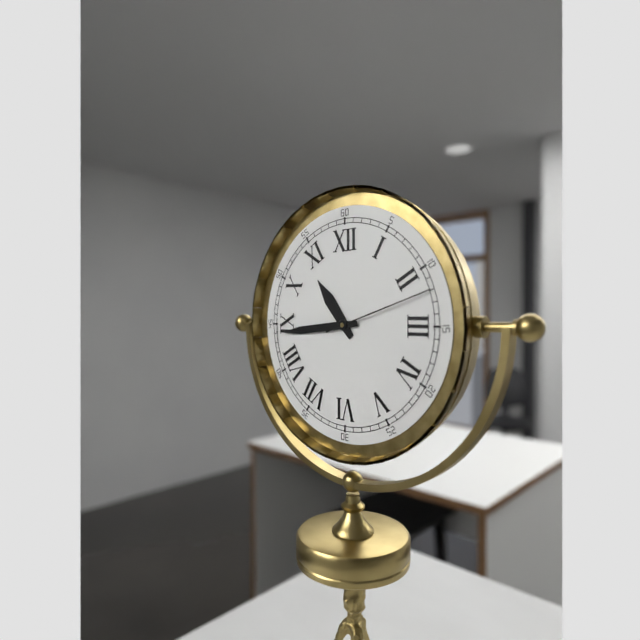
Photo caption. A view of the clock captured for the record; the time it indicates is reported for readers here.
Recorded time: 10:44:12
